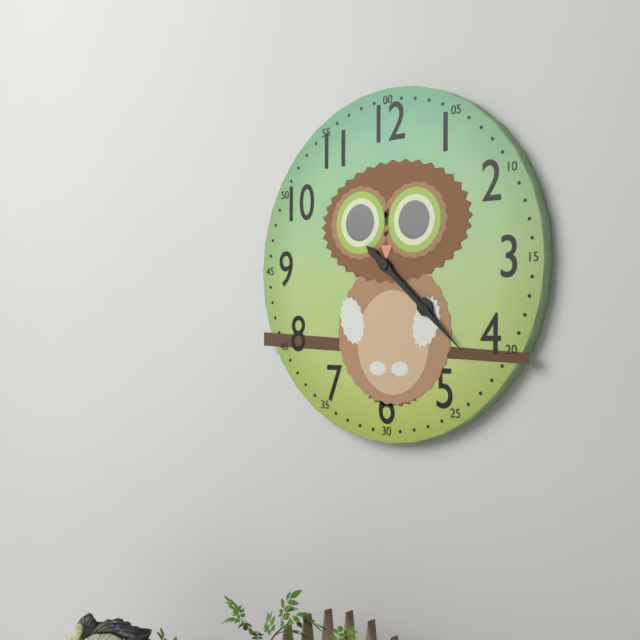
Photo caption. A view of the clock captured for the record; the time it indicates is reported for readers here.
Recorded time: 4:22
